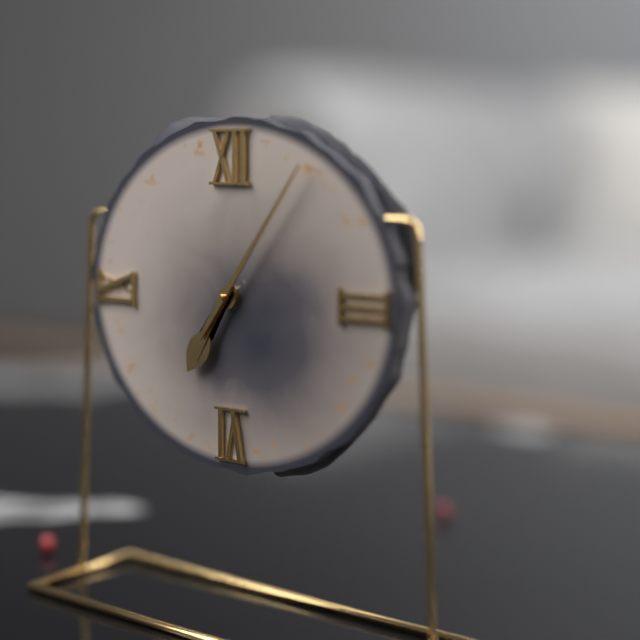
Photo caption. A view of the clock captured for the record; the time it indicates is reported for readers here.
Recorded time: 7:06
